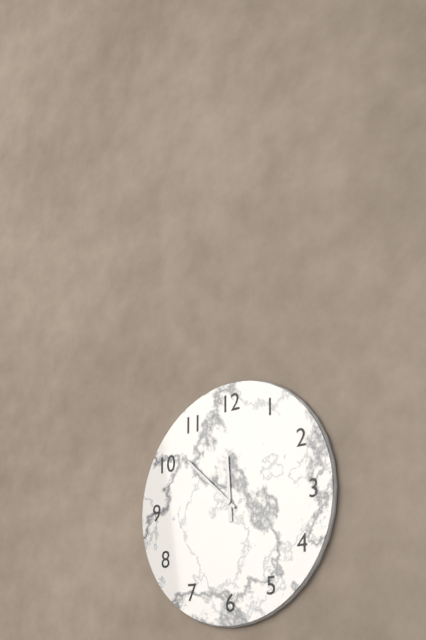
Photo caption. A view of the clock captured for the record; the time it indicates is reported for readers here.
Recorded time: 11:52
